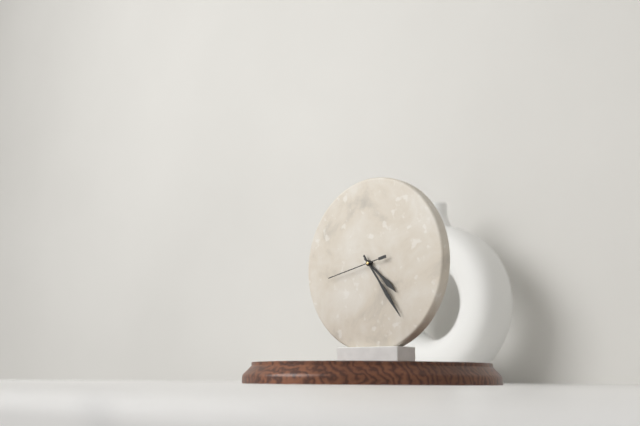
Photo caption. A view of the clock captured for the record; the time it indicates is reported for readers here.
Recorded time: 4:24:43
